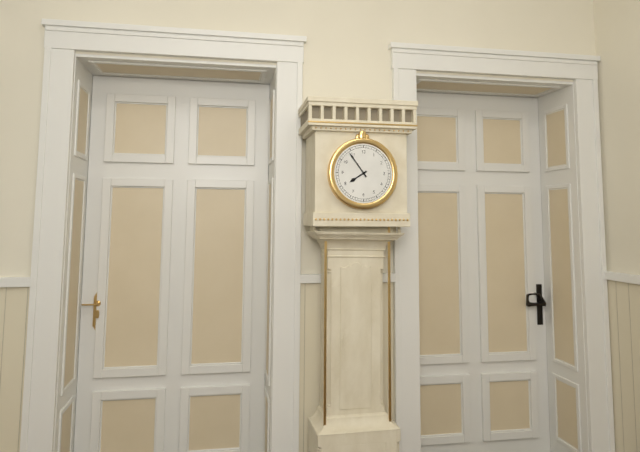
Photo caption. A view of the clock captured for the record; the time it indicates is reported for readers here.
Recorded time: 7:54
